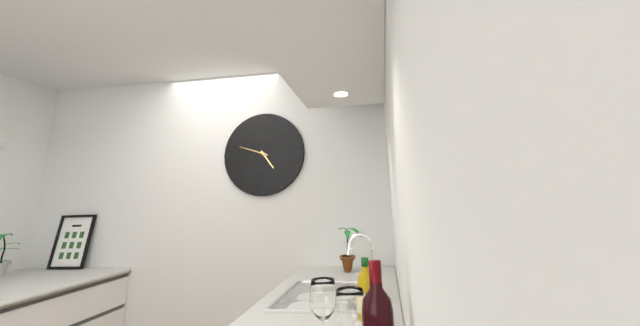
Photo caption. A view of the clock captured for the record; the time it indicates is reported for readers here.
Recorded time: 4:48
